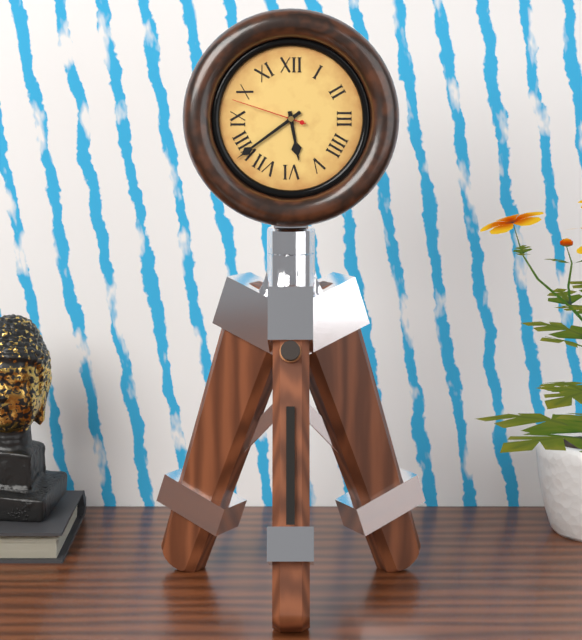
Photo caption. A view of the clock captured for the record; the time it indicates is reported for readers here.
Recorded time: 5:39:48
